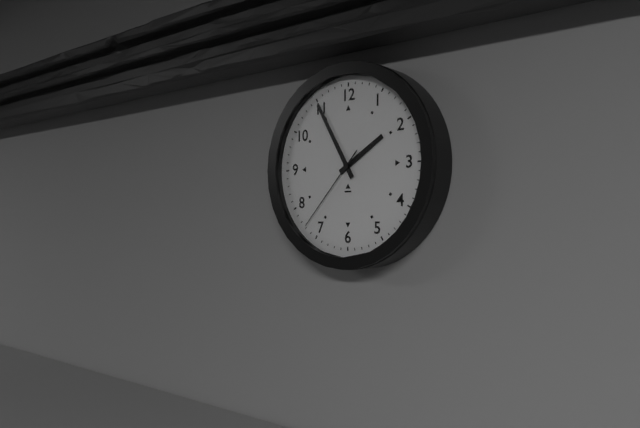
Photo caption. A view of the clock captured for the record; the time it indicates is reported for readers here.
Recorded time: 1:55:37
